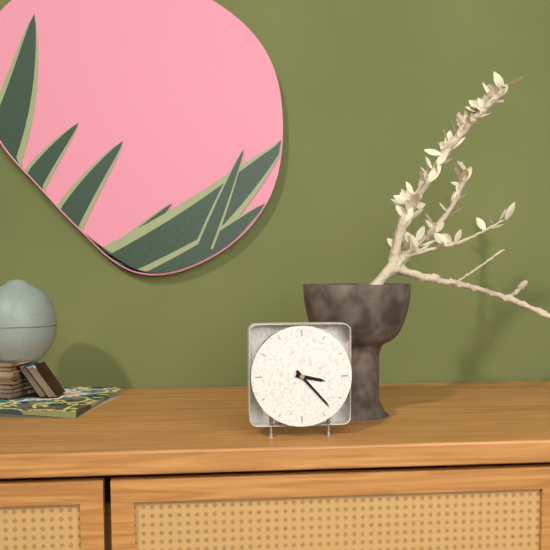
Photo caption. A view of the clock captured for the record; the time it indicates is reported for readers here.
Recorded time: 3:23
